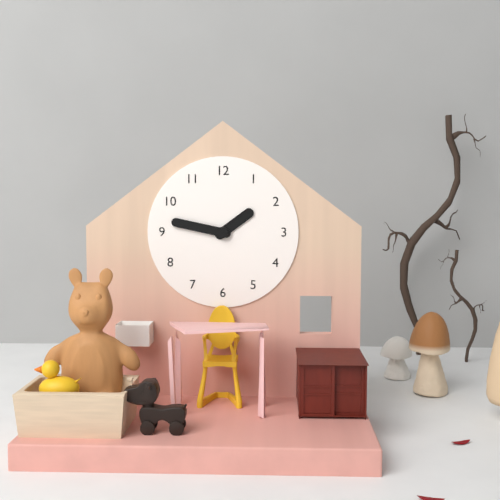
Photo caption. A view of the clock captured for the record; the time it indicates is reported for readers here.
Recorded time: 1:47
